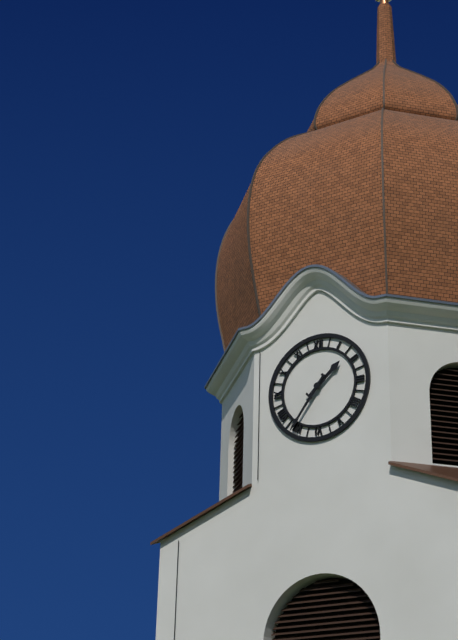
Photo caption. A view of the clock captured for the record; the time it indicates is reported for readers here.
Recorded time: 1:36
